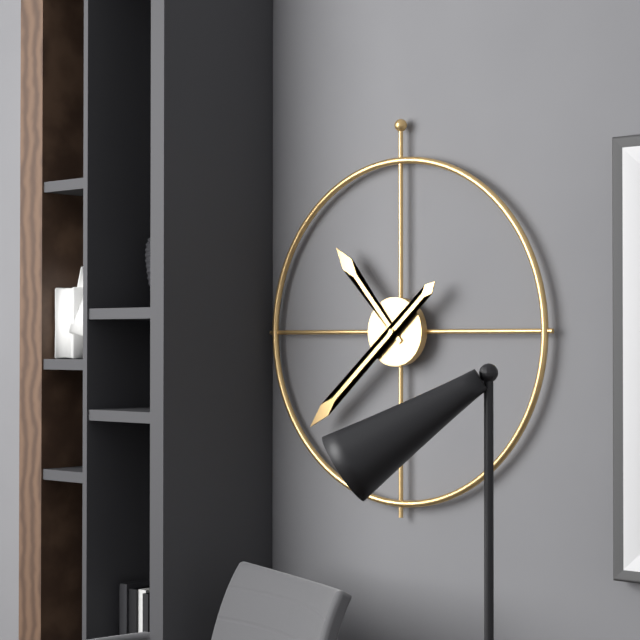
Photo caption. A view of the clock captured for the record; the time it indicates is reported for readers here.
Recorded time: 10:38
